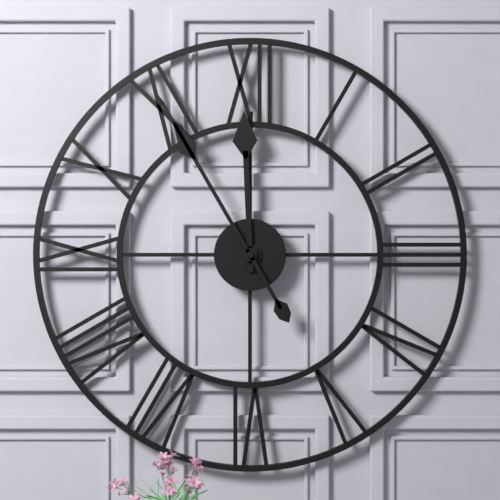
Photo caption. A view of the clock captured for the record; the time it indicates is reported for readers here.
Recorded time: 11:55
